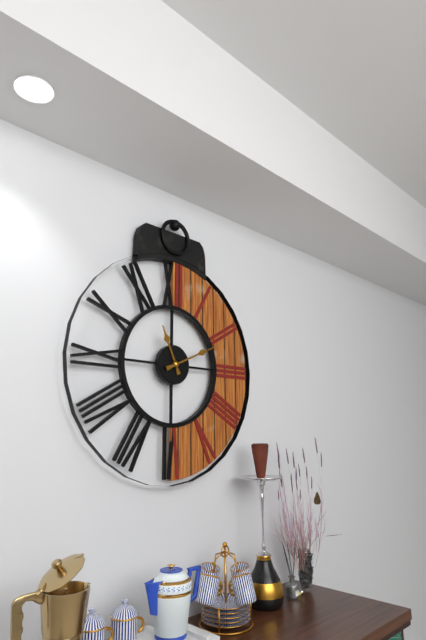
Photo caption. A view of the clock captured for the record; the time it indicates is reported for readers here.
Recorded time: 11:11
